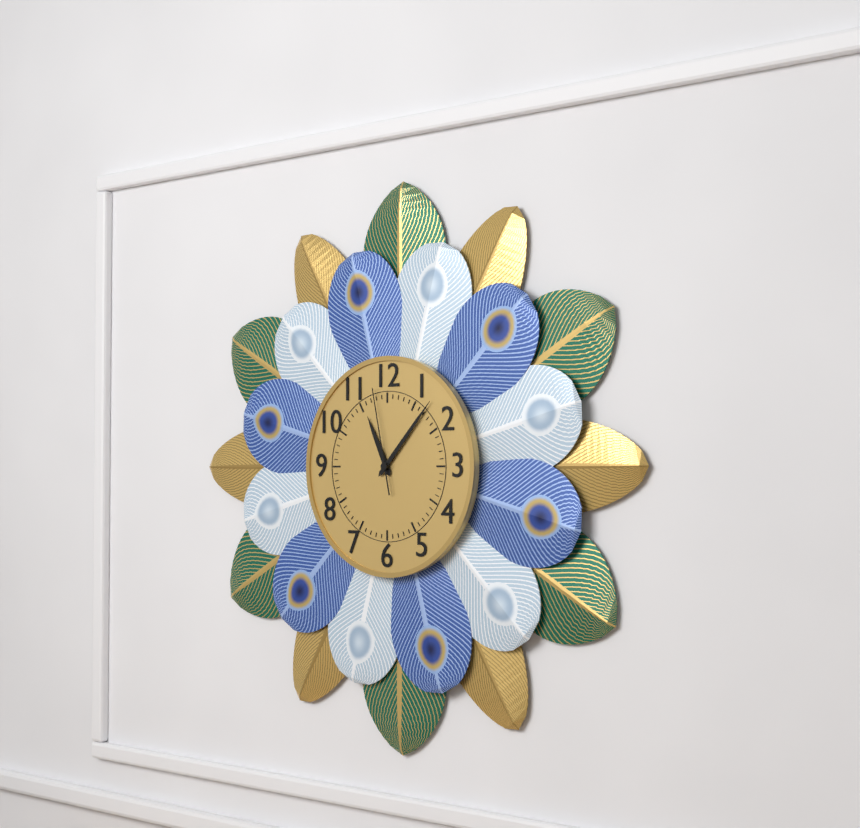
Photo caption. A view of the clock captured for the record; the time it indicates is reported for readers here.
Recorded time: 11:07:58
